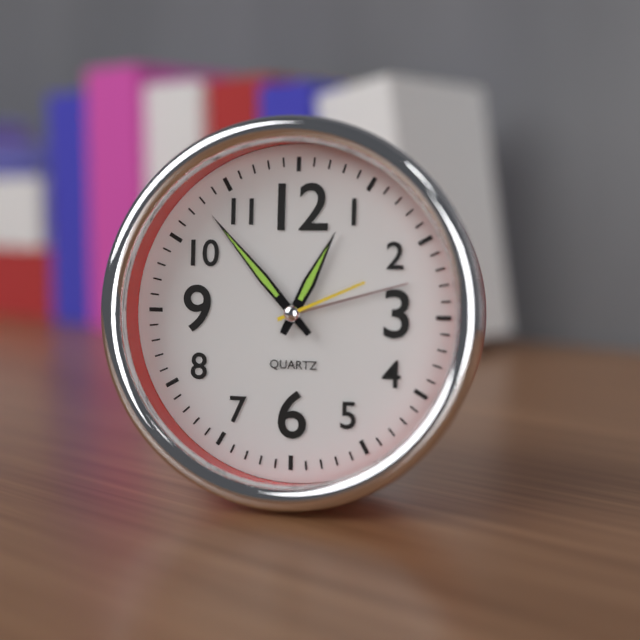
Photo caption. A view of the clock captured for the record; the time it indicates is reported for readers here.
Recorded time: 12:53:11
